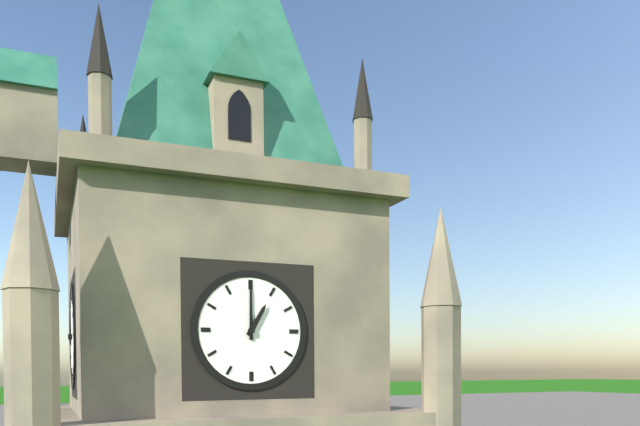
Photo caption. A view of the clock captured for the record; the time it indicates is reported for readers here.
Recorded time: 1:00
